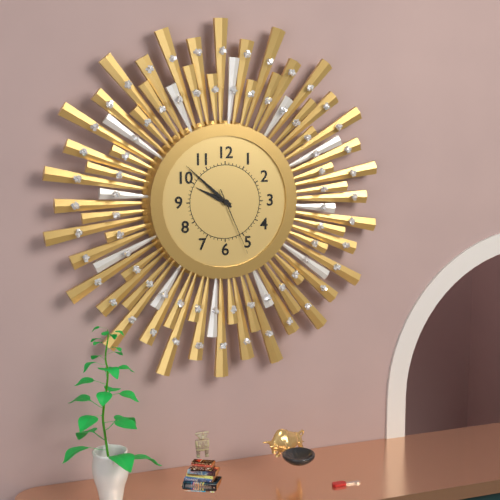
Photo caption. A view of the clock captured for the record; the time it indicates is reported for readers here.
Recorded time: 9:52:26
